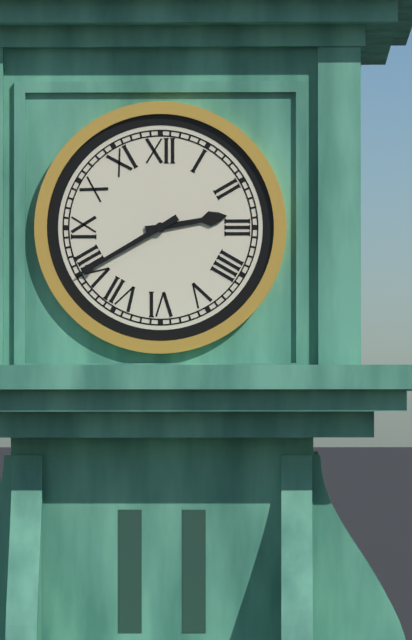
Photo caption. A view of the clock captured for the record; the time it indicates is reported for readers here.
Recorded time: 2:40
